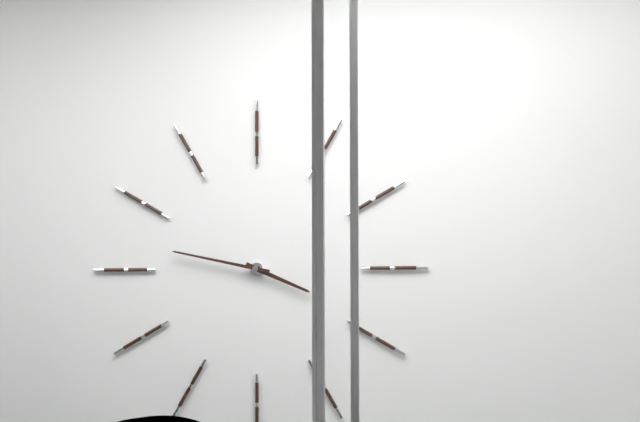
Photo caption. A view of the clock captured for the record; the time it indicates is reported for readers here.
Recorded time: 3:47
